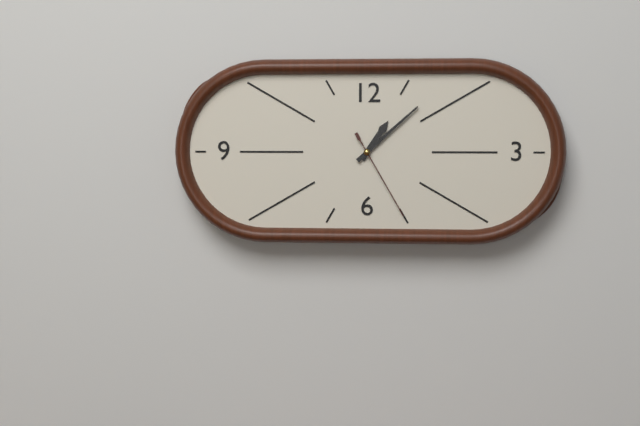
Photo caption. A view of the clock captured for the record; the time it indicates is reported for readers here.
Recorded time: 1:08:25
